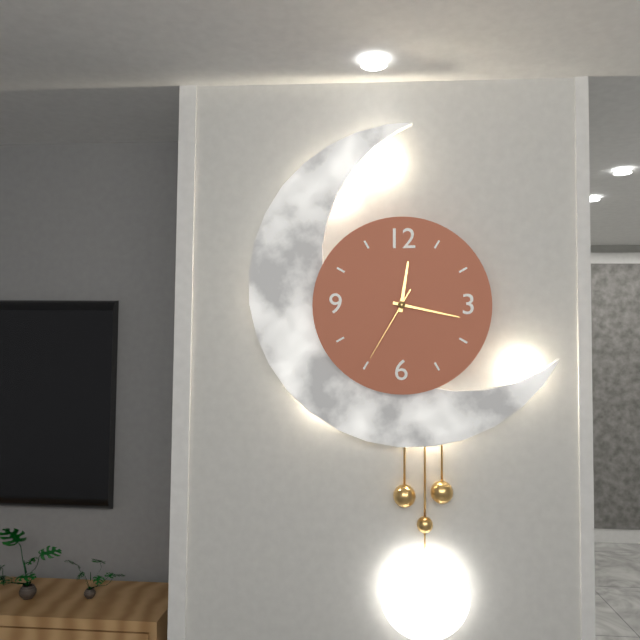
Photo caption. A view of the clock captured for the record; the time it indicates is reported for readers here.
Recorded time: 12:17:35
